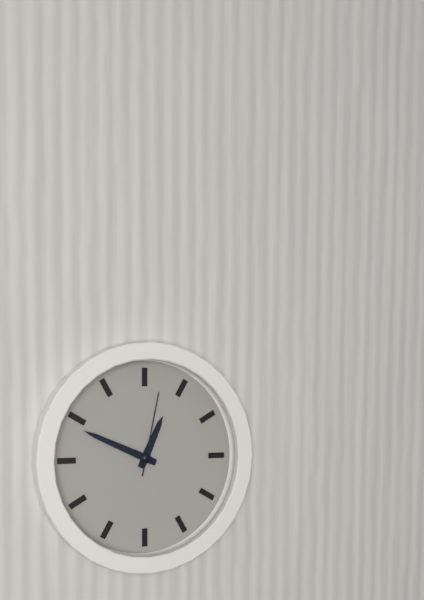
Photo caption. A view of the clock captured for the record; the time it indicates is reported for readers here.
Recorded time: 12:49:02
